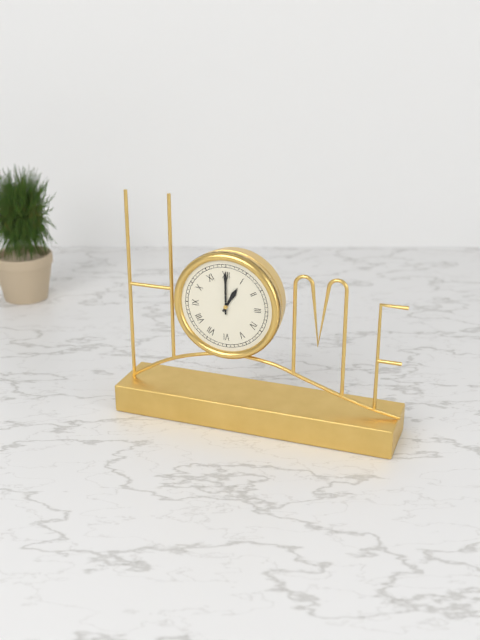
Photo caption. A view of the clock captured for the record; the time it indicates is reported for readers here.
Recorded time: 1:00
